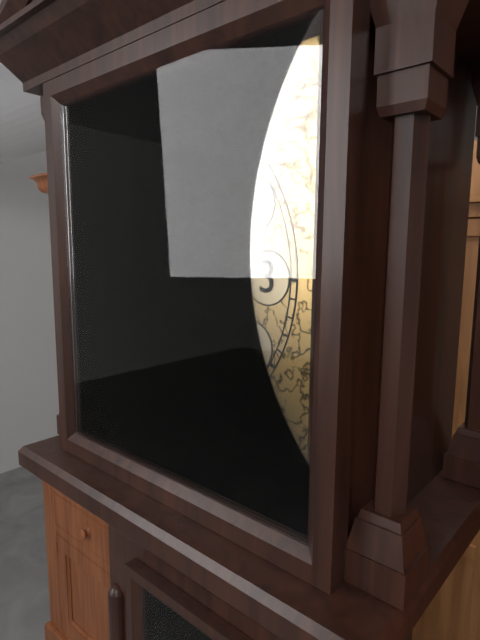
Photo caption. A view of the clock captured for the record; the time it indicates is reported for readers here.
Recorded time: 6:24
